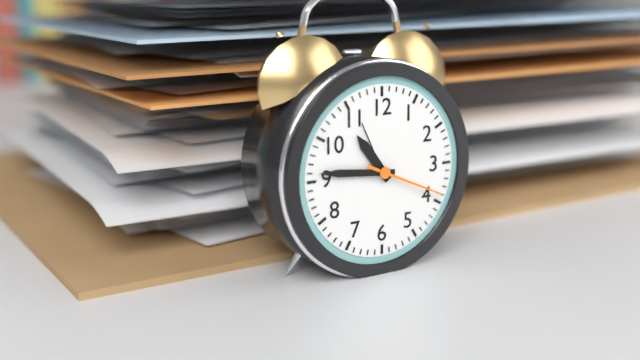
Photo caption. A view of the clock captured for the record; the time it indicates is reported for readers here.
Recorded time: 10:46:19
